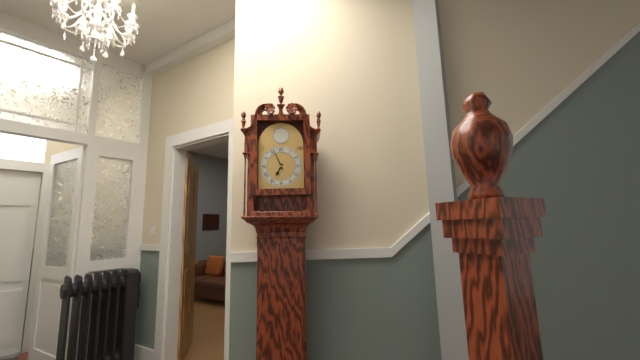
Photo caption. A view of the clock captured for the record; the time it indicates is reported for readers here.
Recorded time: 6:56
